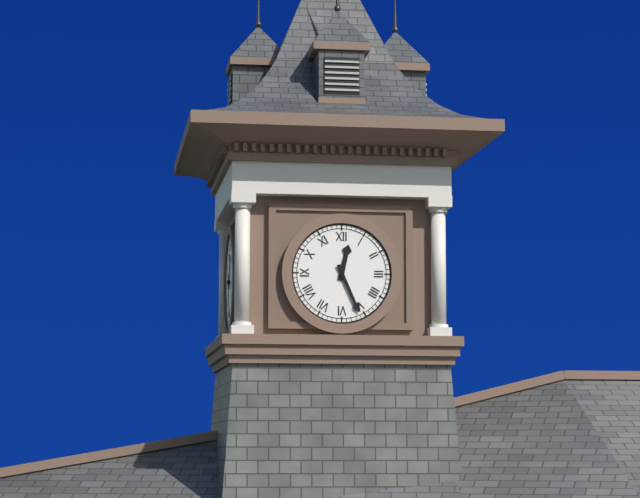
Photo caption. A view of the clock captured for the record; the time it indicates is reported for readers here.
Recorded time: 12:26
